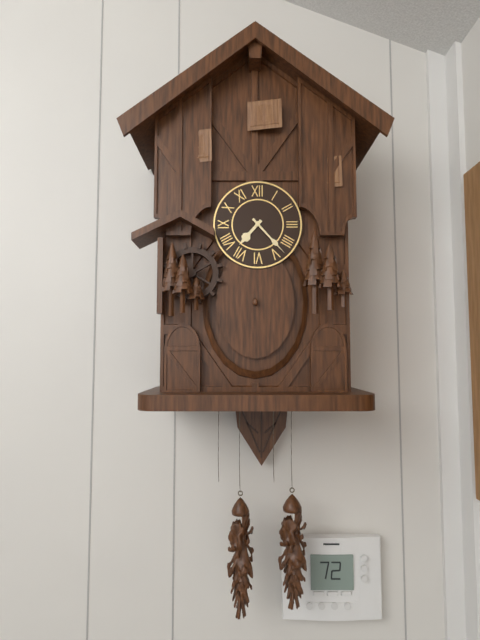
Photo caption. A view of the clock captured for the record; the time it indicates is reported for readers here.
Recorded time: 7:23
